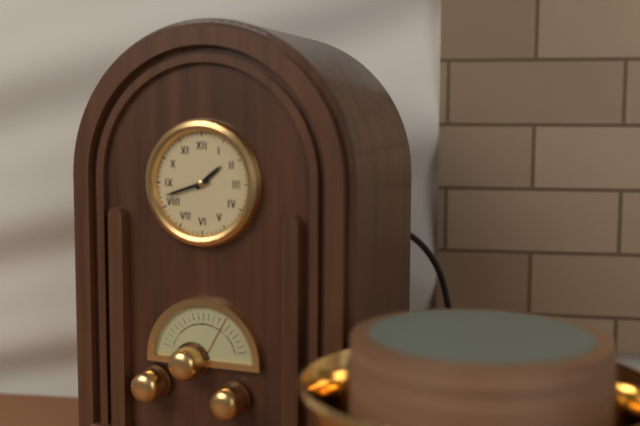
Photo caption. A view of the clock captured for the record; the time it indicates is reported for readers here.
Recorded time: 1:42
